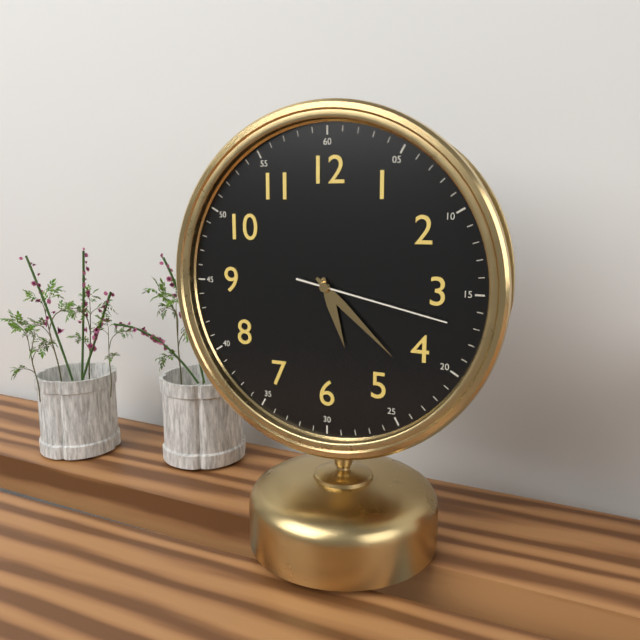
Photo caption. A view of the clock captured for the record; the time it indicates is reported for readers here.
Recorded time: 5:22:17
